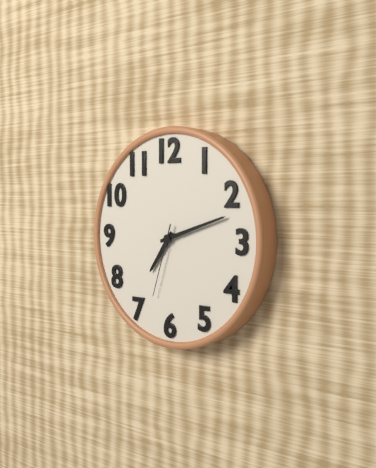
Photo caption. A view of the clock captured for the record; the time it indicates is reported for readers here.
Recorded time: 7:12:33
